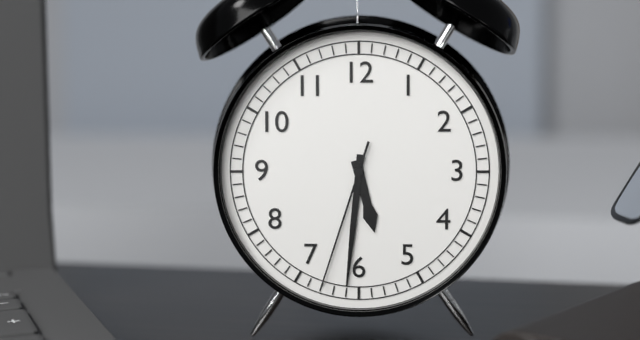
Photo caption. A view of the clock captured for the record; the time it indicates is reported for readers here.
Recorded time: 5:31:33
